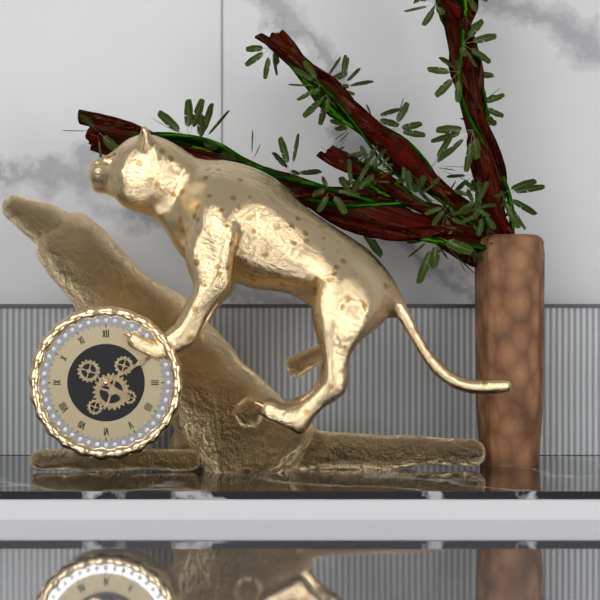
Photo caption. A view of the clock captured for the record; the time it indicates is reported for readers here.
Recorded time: 4:10
